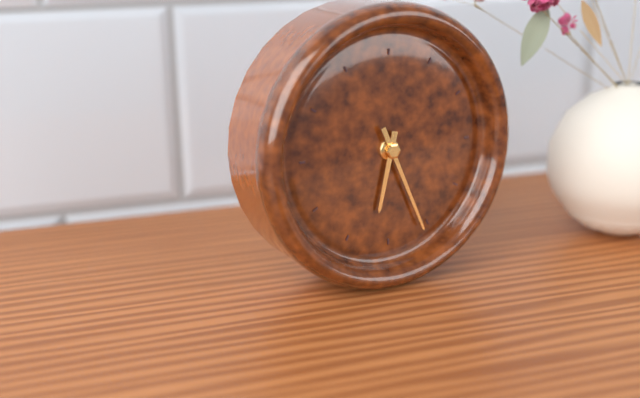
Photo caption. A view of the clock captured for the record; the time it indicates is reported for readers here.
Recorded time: 6:26
